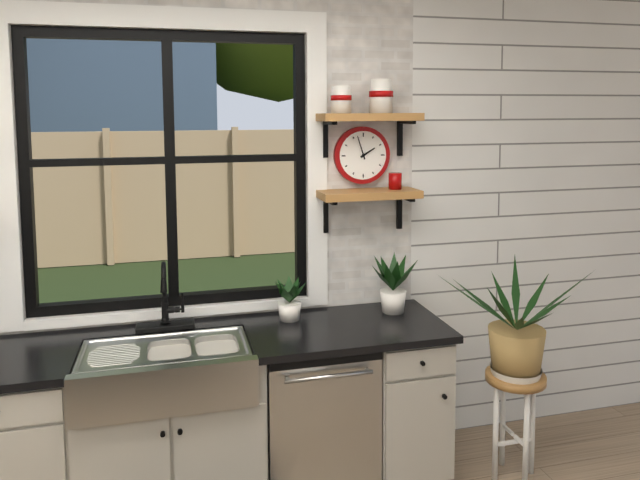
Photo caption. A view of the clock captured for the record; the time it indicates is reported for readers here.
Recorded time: 1:57
